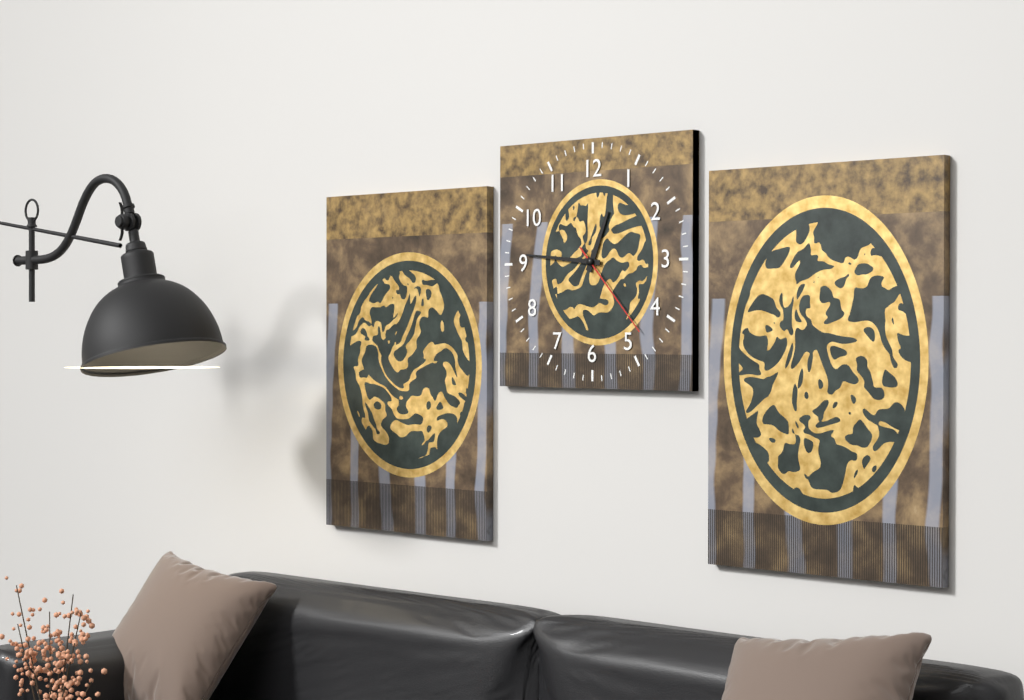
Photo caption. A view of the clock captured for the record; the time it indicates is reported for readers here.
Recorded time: 12:46:23
